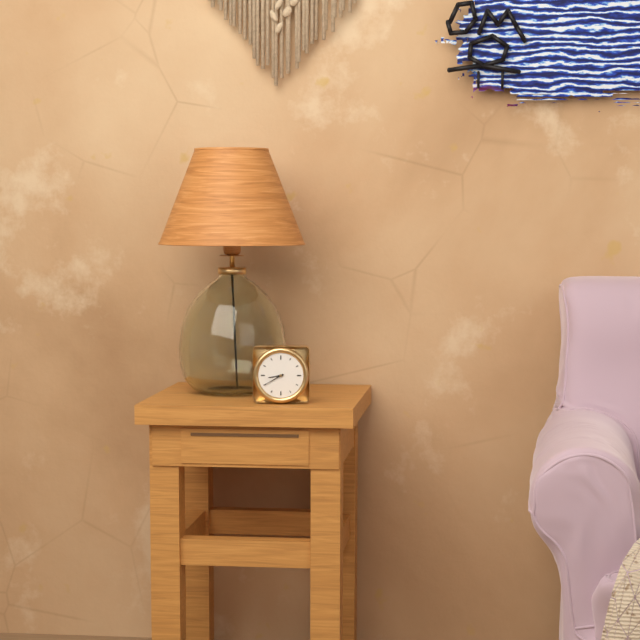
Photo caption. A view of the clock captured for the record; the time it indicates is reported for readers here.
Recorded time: 8:40
